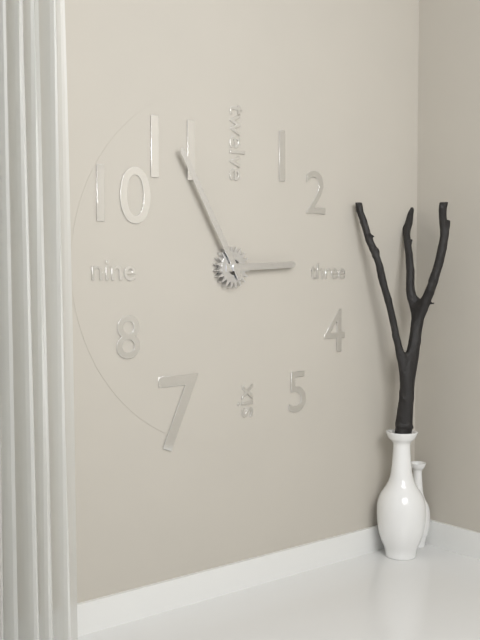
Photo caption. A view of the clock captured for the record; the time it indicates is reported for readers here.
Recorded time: 2:55
